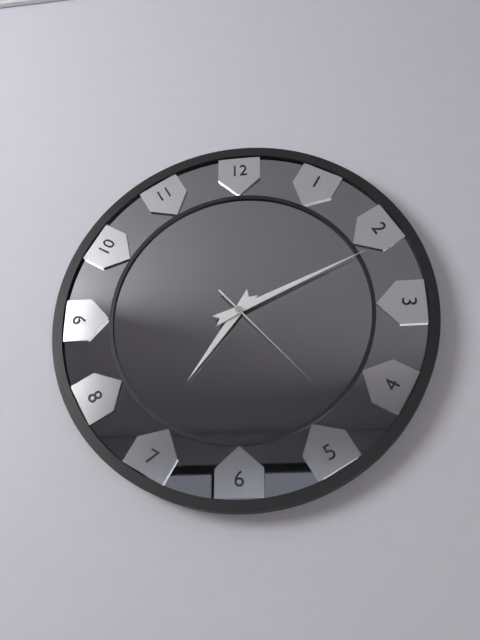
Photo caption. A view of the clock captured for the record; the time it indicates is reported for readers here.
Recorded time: 7:11:23
